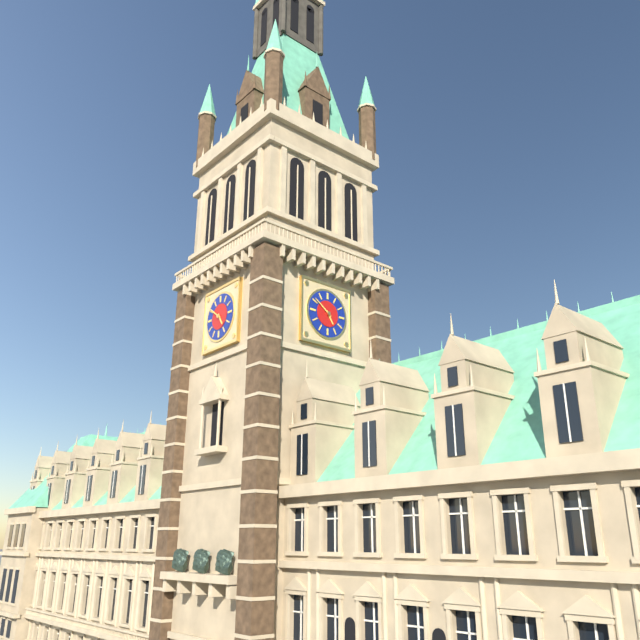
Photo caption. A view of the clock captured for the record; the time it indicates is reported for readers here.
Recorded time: 4:51
